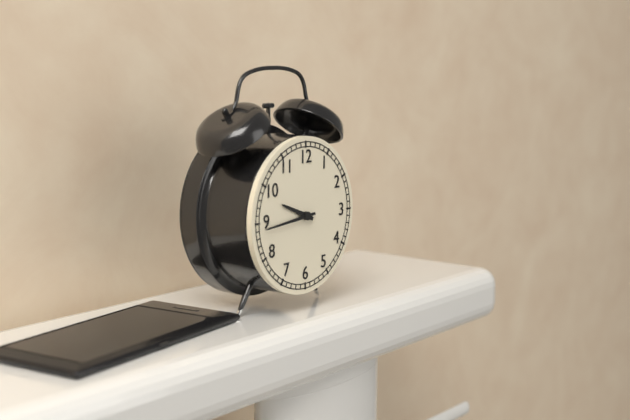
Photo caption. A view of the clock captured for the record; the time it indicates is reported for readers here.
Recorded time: 9:44
